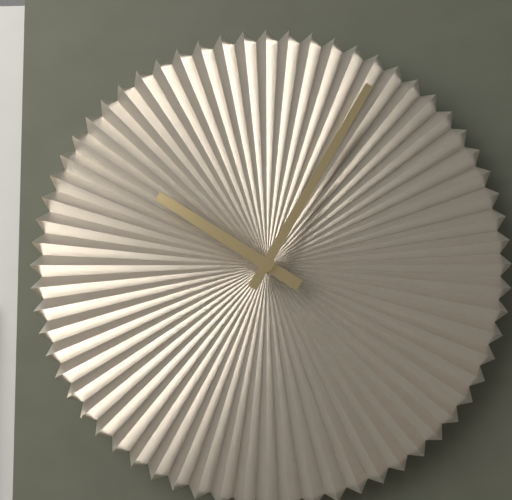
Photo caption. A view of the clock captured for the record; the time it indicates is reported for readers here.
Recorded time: 10:05
